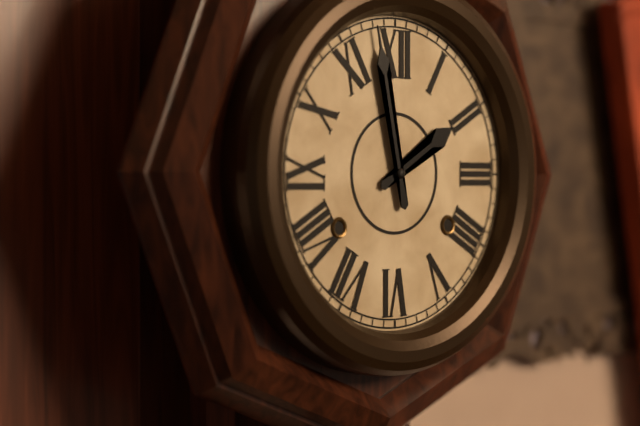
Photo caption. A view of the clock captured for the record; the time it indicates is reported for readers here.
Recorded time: 1:58
